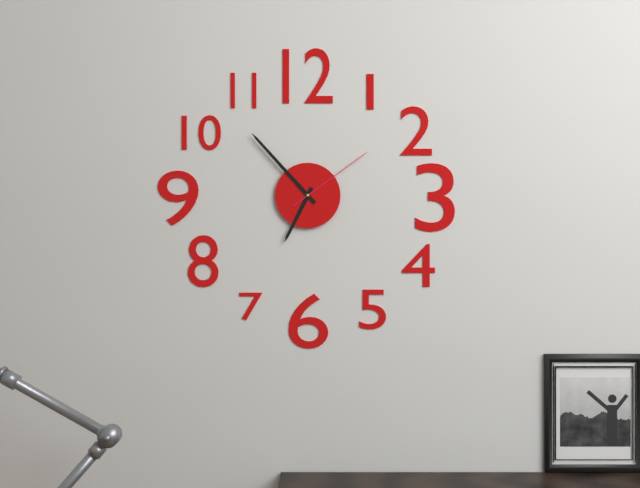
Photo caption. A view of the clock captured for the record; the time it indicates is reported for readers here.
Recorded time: 6:53:09
